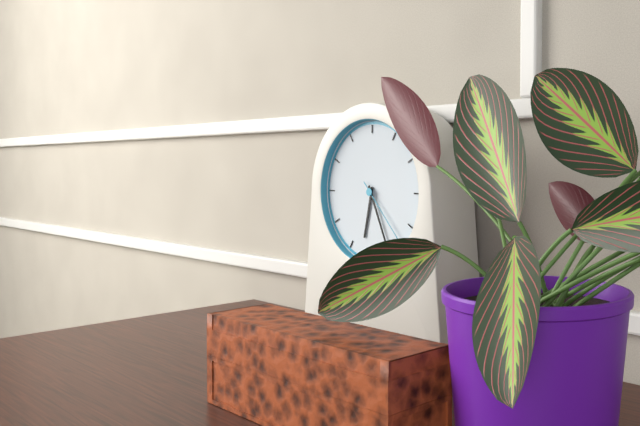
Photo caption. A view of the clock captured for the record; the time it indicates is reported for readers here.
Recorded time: 6:26:23
